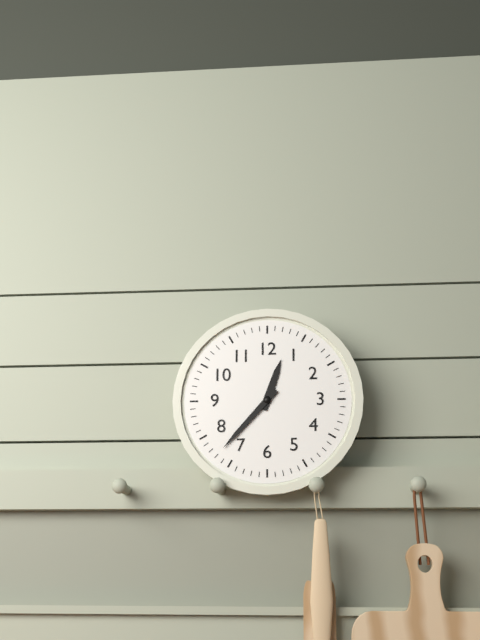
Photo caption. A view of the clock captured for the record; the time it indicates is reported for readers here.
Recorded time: 12:37
